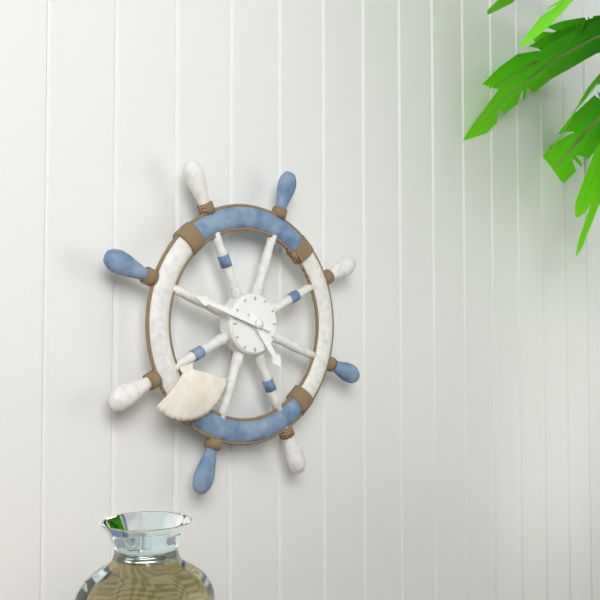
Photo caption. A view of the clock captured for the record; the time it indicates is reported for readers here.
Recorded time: 4:48
